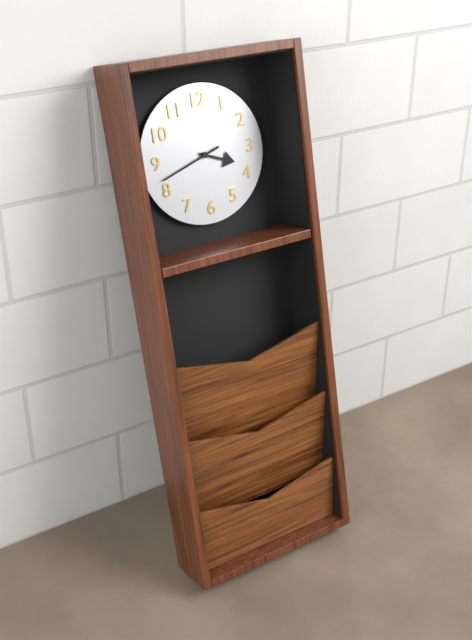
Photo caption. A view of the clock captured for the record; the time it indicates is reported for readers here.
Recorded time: 3:42
